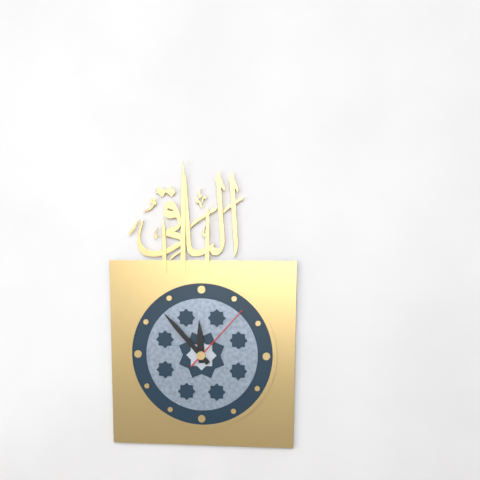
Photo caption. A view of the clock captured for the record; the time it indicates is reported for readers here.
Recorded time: 11:53:07
